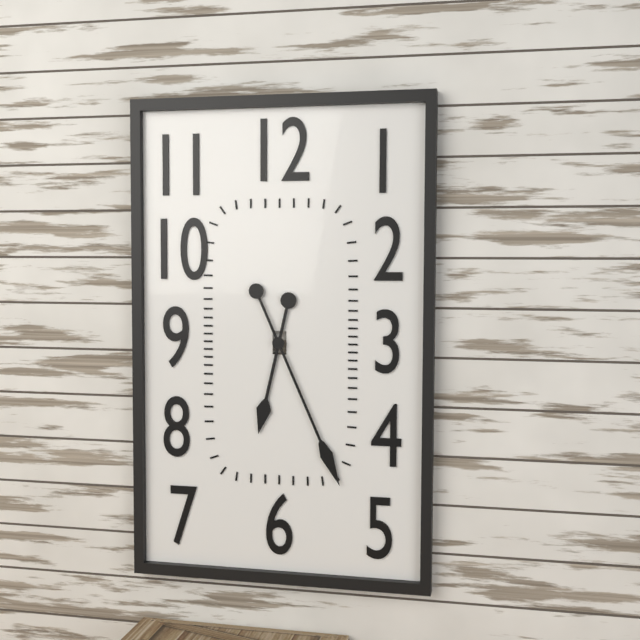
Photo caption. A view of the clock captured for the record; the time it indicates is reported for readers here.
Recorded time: 6:26
